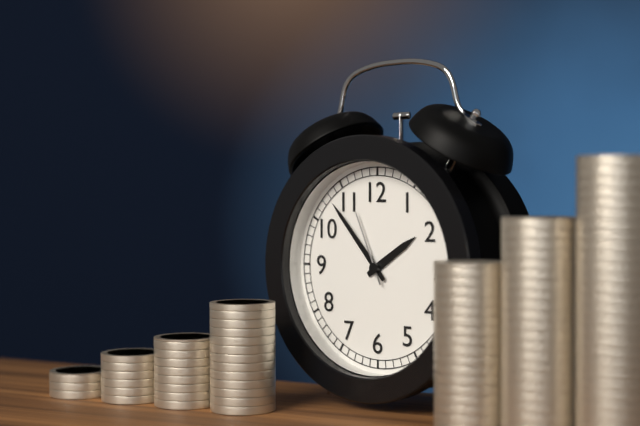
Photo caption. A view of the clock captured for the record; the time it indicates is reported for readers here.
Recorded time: 1:53:56
